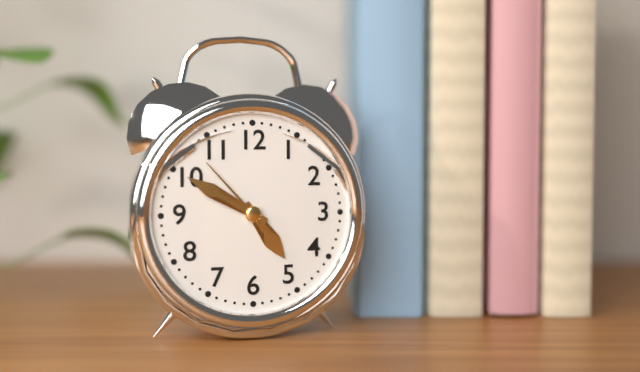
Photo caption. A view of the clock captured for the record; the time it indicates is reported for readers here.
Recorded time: 4:50:53
